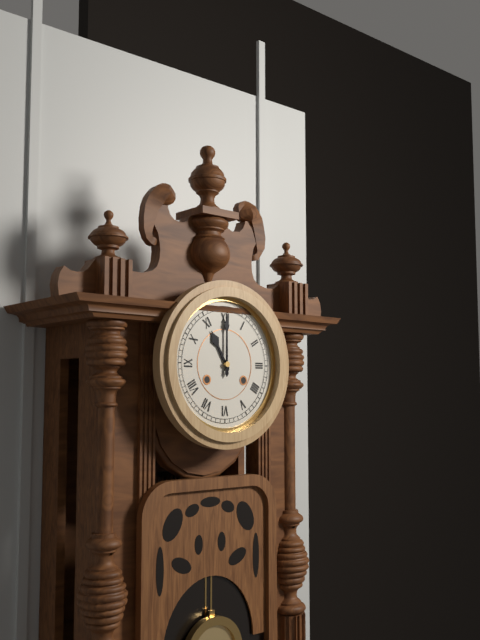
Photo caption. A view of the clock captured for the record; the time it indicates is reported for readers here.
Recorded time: 11:00
